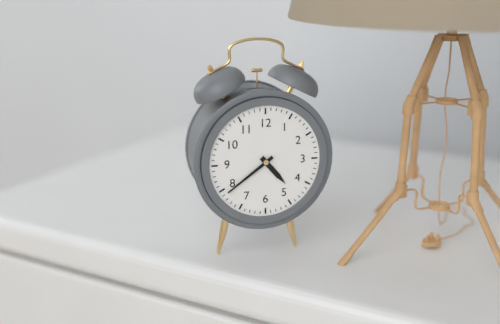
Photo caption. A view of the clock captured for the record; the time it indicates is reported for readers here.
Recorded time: 4:39
